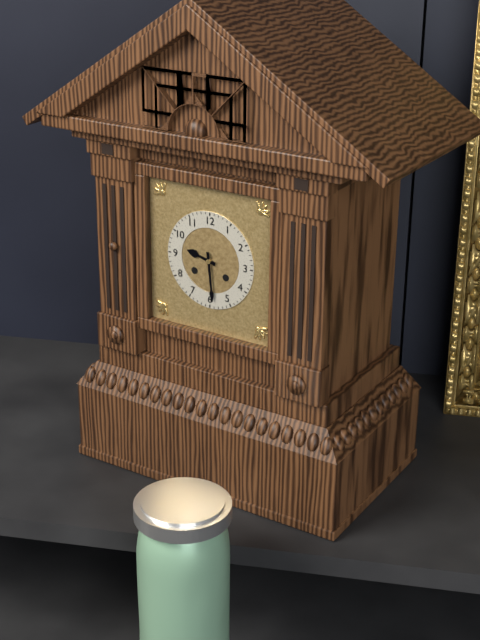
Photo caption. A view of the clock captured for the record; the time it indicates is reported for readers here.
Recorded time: 9:29
